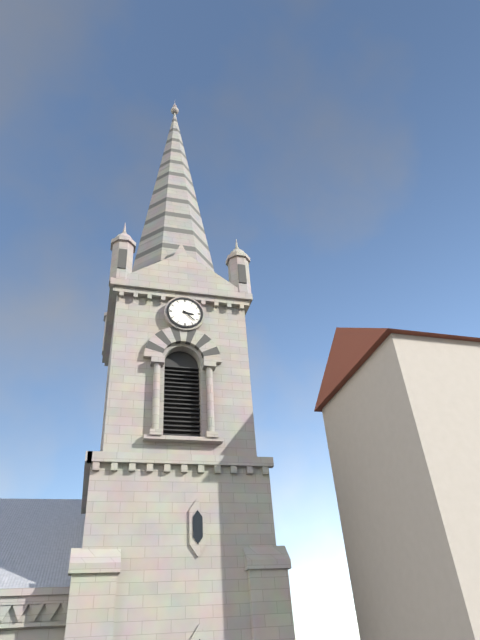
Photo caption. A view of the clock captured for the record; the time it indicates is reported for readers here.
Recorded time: 3:22
